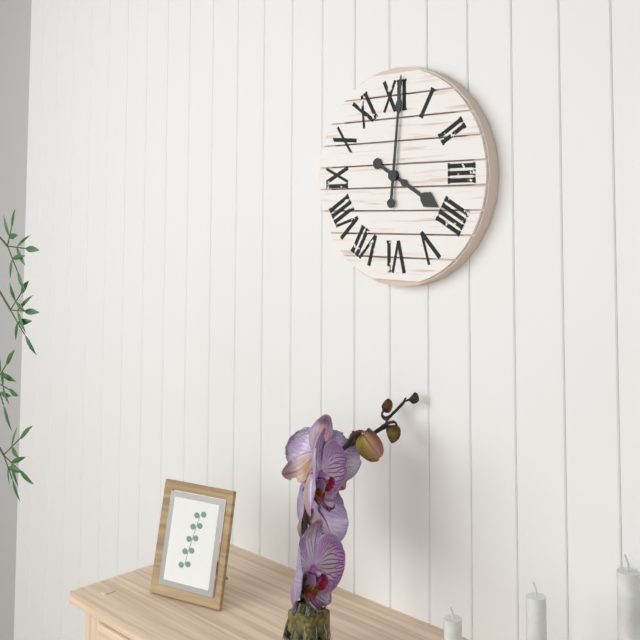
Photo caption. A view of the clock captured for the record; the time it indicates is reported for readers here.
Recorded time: 4:01
